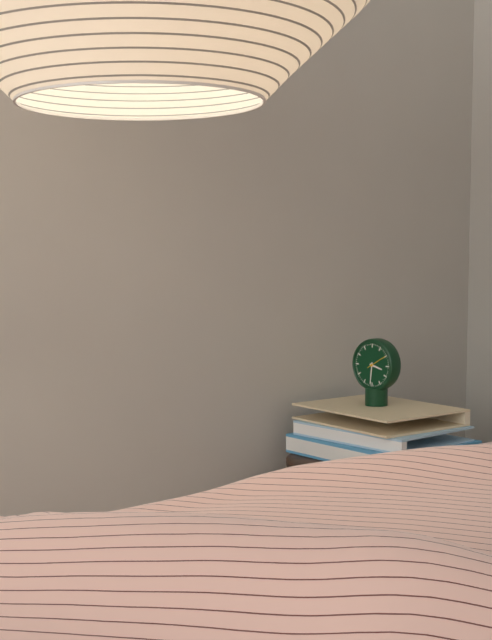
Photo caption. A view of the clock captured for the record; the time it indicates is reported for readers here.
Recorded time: 3:31
